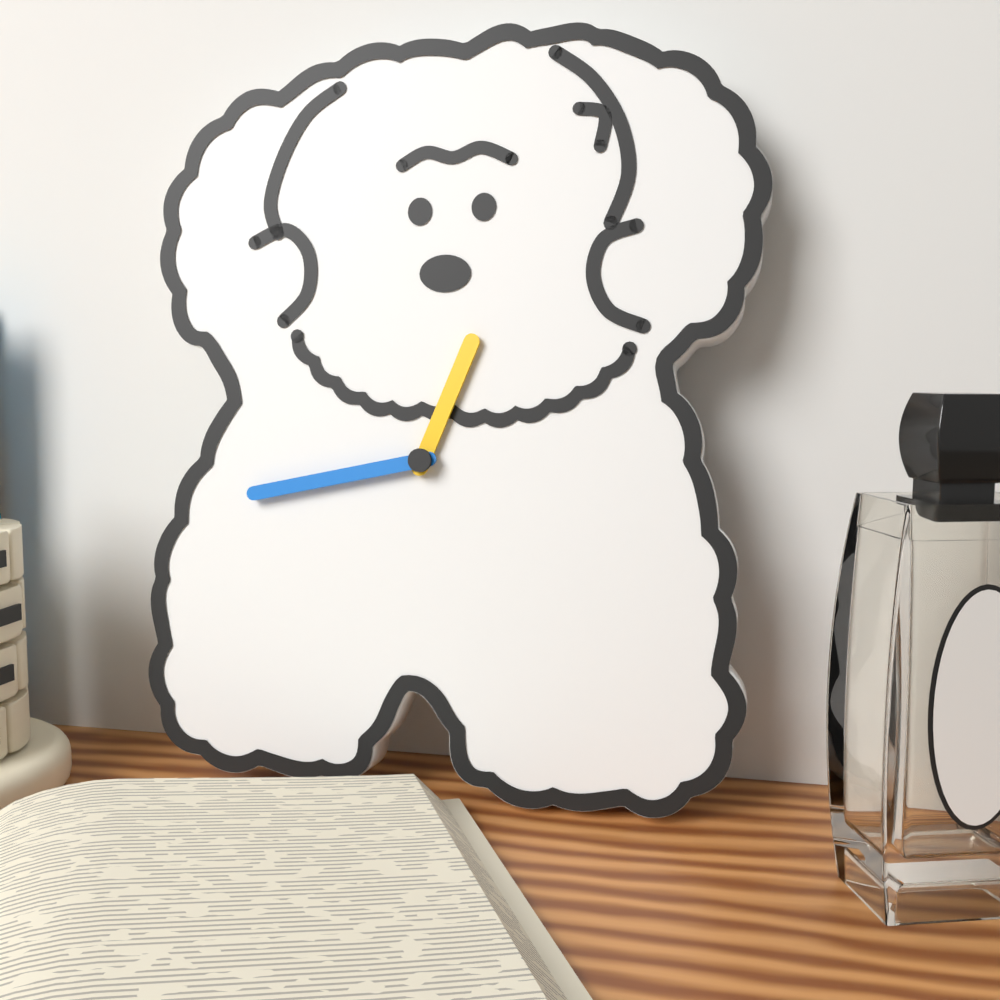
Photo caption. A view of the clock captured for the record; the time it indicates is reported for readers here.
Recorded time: 12:43
